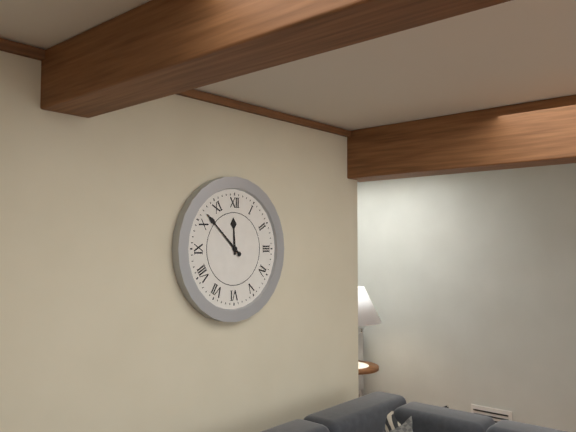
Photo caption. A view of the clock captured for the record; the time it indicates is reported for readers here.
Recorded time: 11:52
